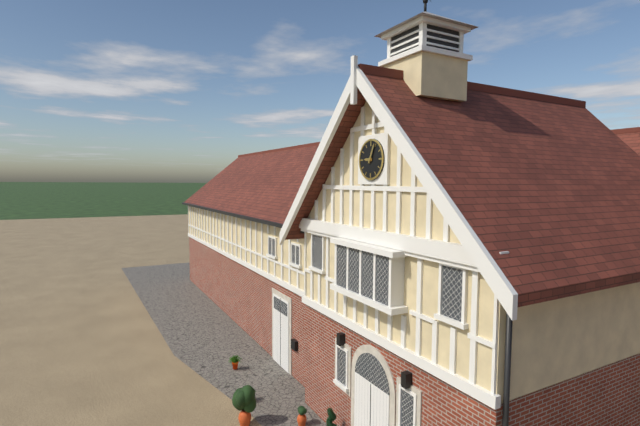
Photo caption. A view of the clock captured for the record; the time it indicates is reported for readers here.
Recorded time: 9:04
